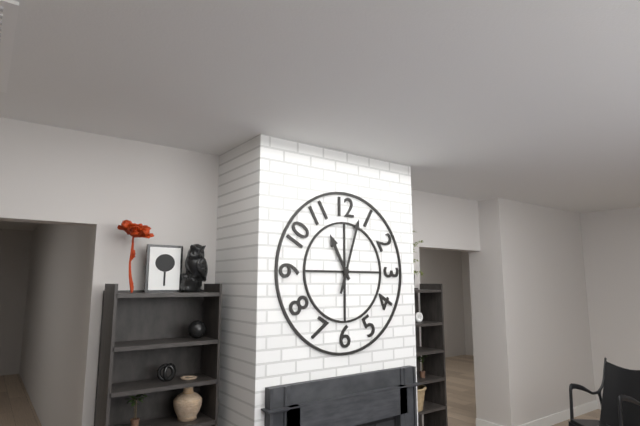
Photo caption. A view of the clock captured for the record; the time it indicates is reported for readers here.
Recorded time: 11:03
